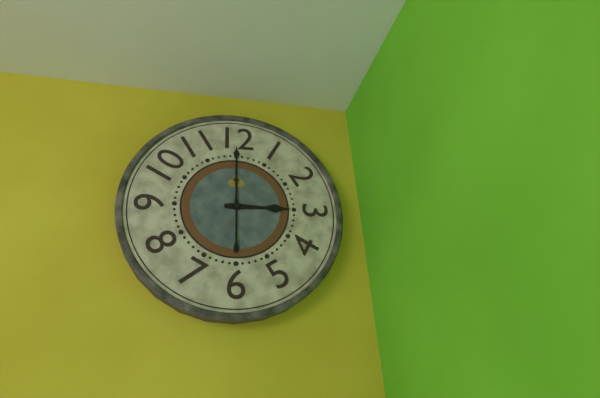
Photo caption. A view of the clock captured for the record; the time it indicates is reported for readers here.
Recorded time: 3:00
